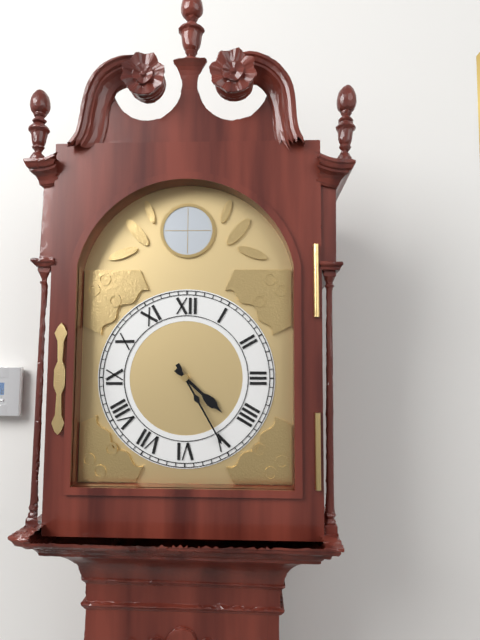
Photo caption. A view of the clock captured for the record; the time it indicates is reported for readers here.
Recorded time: 4:25
